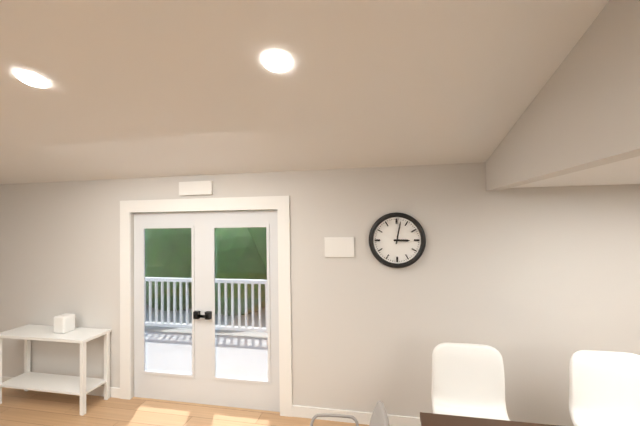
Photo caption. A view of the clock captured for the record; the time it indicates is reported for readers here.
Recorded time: 3:02
